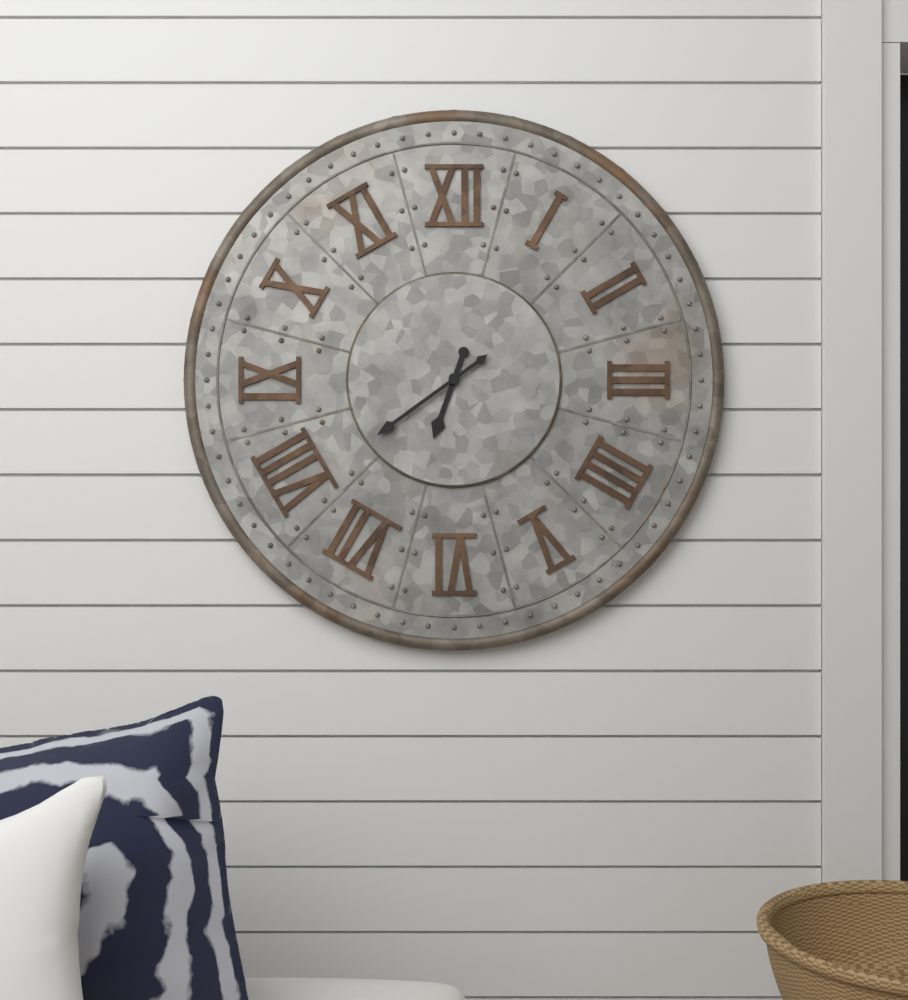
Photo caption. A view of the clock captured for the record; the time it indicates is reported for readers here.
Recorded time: 6:39
